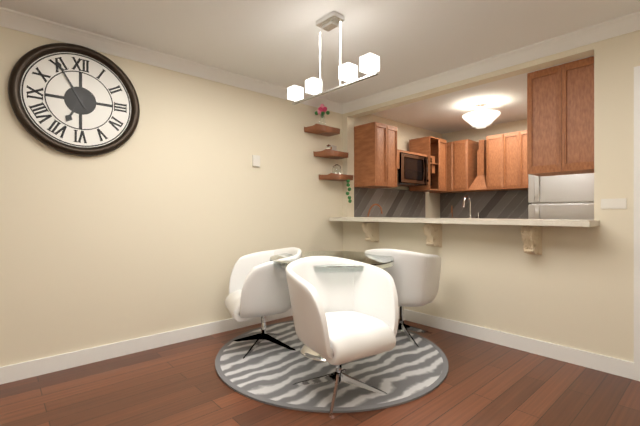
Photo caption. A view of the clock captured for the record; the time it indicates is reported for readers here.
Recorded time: 6:55
